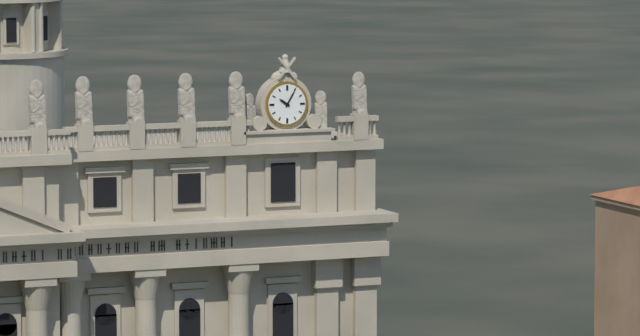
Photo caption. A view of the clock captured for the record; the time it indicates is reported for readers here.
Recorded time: 10:05
